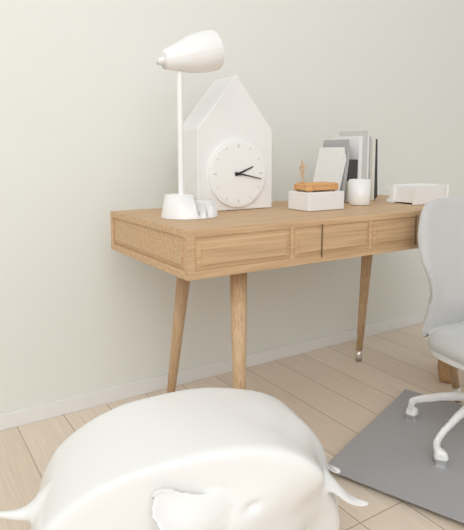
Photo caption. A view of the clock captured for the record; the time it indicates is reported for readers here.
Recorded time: 2:17
